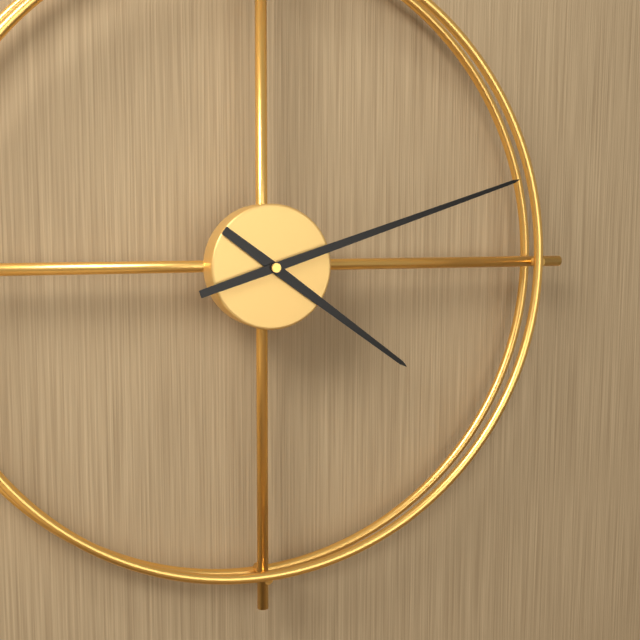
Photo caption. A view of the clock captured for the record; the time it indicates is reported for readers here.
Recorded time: 4:12
